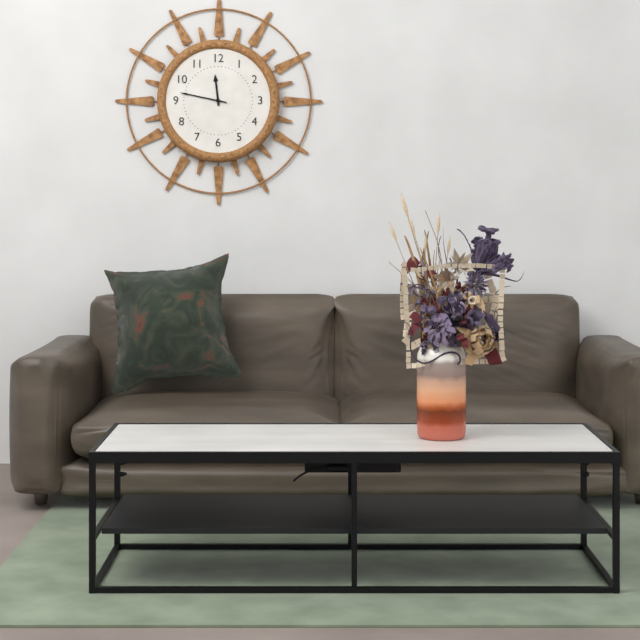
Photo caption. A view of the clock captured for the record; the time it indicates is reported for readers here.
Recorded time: 11:47
